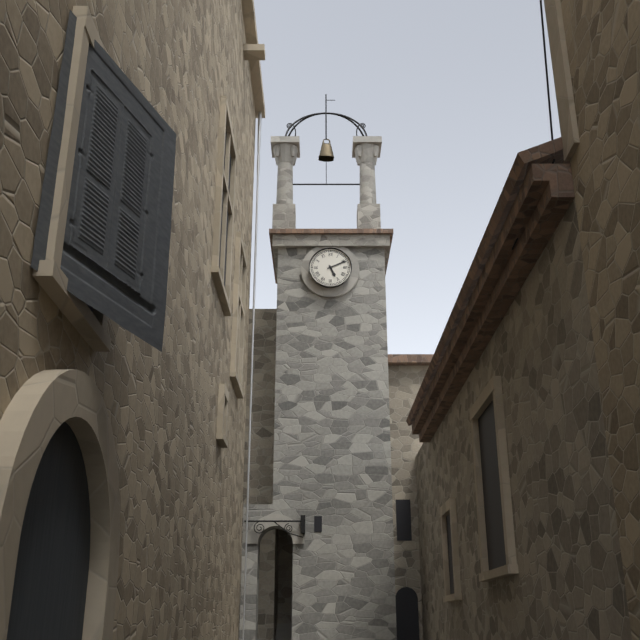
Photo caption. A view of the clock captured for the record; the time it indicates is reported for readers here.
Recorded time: 5:11
